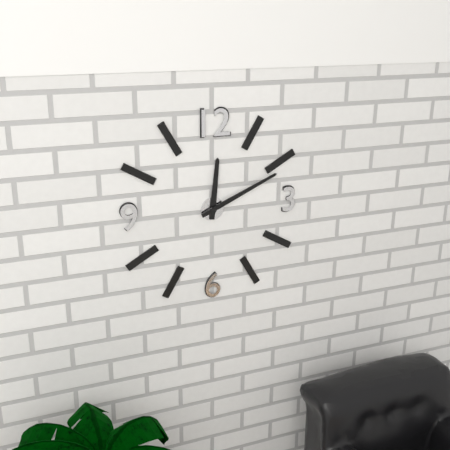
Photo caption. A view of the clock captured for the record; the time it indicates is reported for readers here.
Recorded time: 12:11
